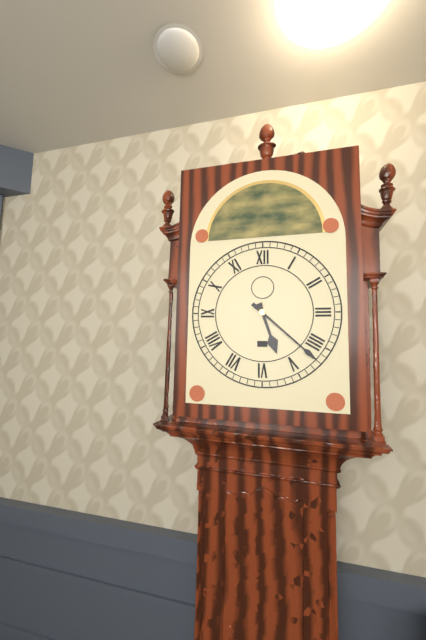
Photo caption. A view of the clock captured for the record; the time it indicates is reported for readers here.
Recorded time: 5:22
